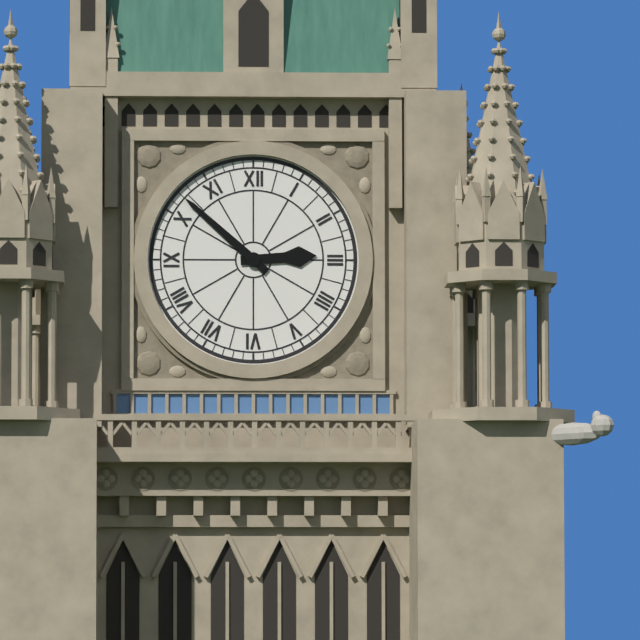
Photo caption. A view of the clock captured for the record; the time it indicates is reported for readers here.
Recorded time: 2:52
